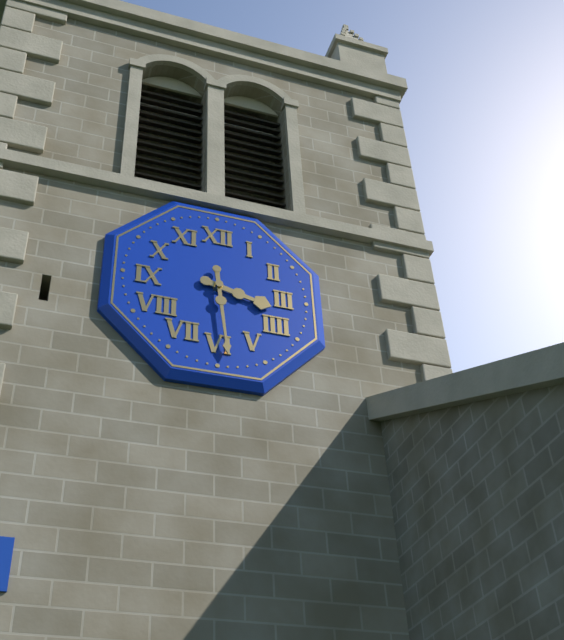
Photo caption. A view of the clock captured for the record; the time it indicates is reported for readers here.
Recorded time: 3:29
